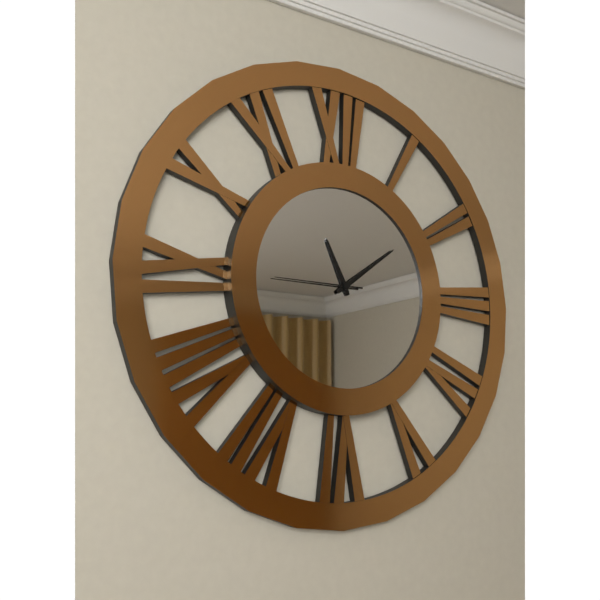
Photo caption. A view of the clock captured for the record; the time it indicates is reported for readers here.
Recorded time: 11:09:45
